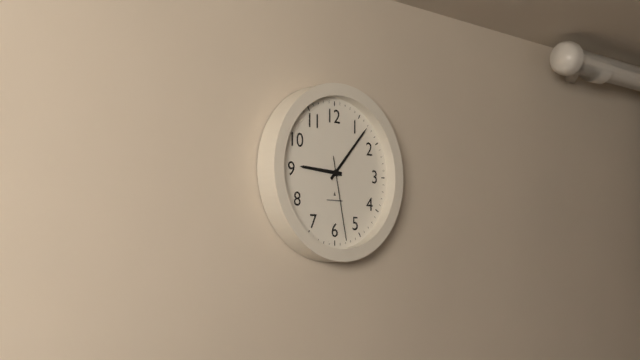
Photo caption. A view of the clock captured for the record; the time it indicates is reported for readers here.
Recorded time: 9:07:28
